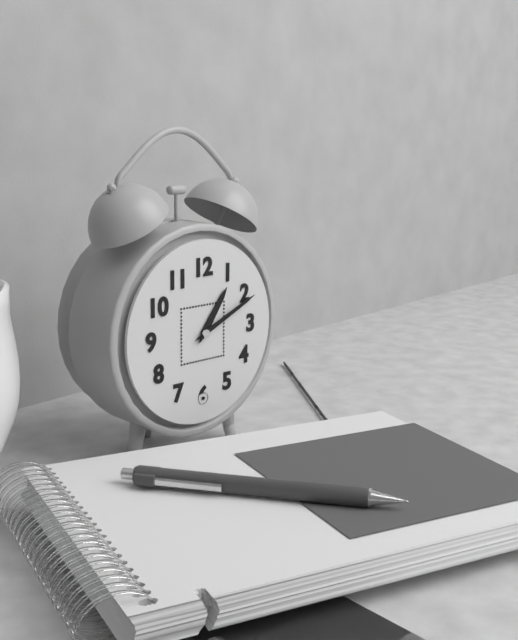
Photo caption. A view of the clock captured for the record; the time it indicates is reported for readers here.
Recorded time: 1:11
